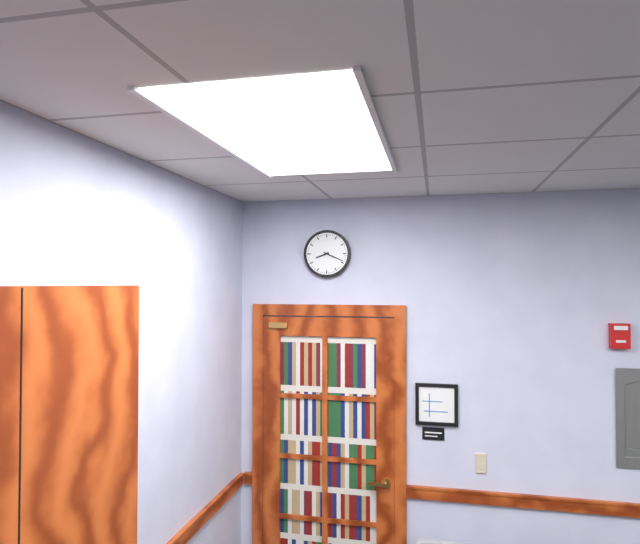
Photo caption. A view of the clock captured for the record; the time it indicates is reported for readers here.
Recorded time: 8:19
